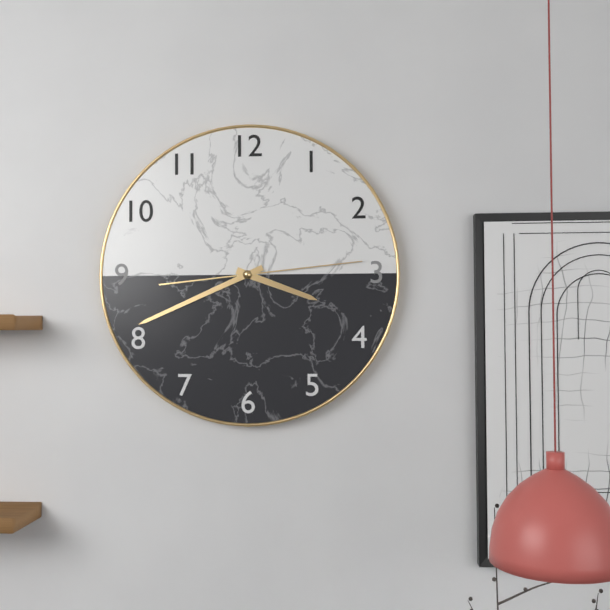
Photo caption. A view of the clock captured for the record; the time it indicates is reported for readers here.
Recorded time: 3:41:14
